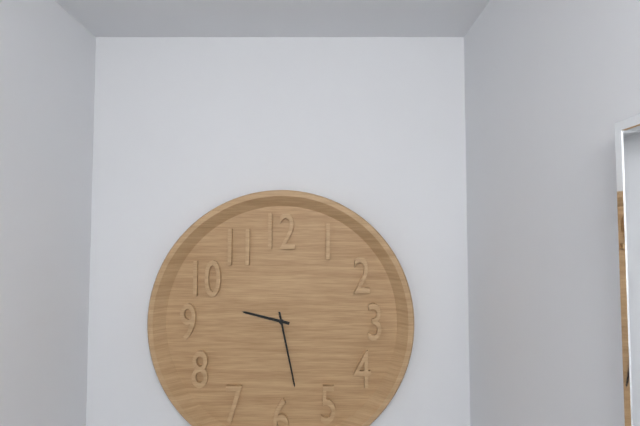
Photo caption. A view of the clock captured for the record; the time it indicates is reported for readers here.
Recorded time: 9:28
